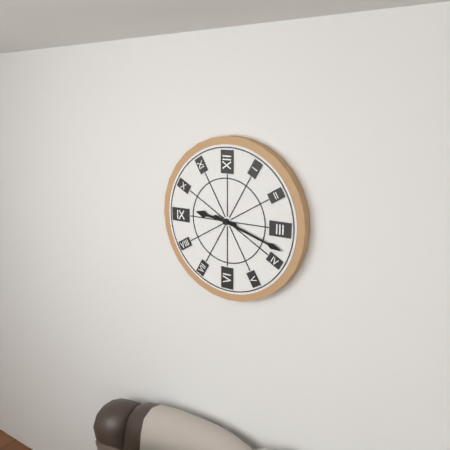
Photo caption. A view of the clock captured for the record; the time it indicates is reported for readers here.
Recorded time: 9:18
